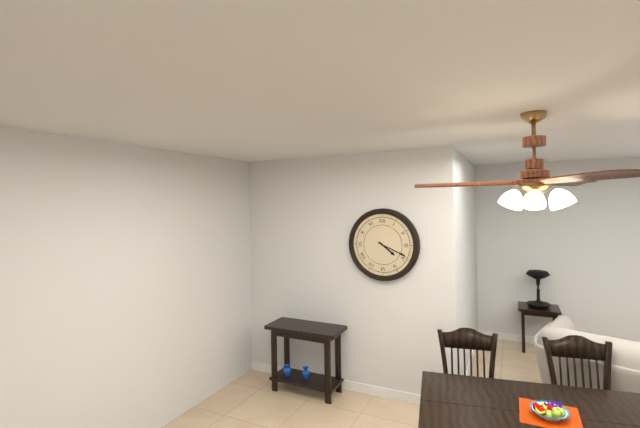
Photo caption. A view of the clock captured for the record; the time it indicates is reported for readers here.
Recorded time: 4:19
